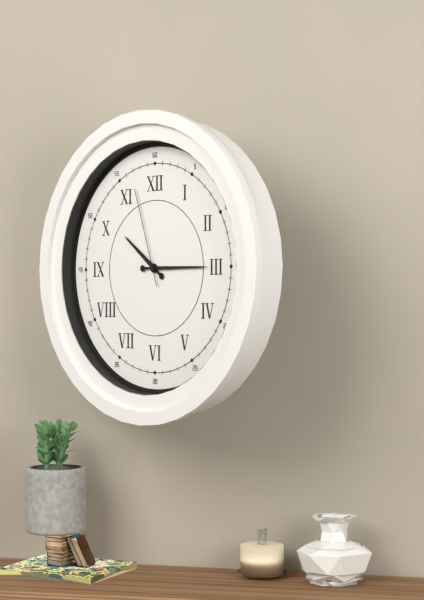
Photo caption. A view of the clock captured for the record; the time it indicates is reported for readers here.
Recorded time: 10:15:57
